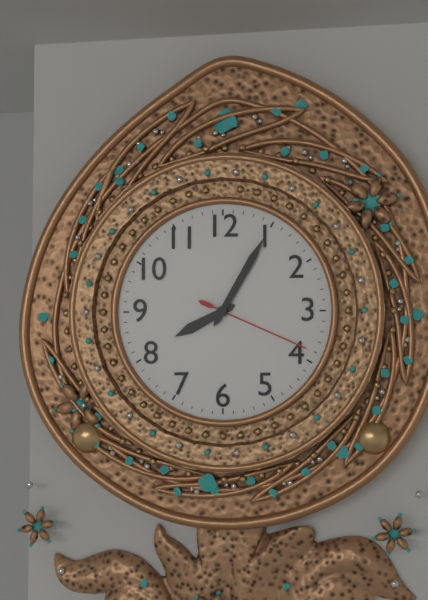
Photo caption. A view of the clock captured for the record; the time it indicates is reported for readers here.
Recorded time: 8:05:19
